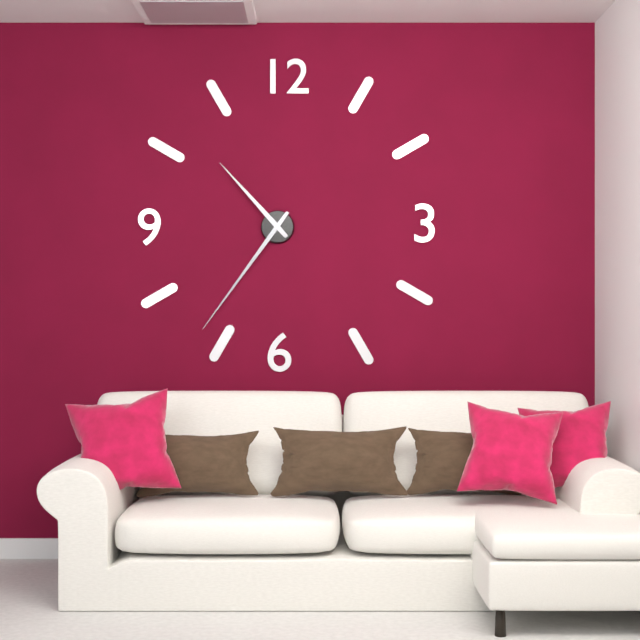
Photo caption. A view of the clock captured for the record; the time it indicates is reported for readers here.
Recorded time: 10:36
